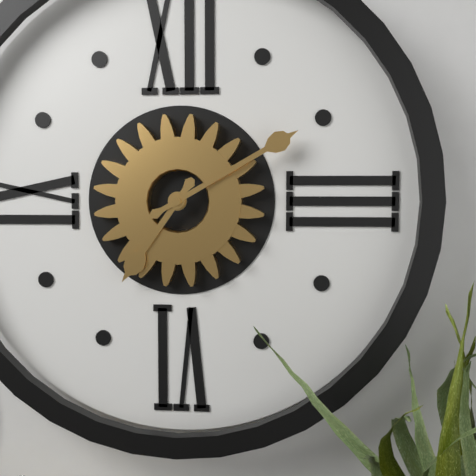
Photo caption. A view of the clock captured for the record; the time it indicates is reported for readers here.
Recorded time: 7:10
